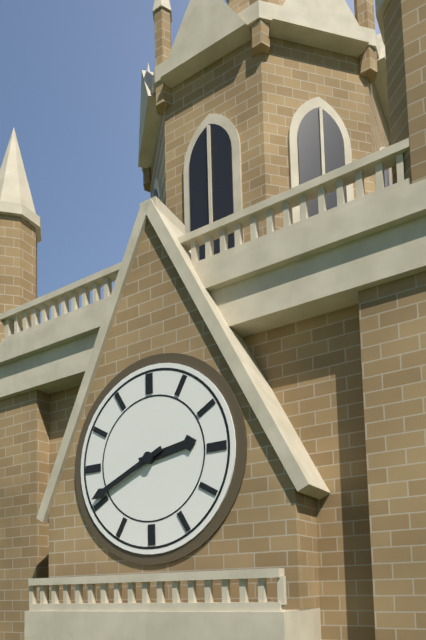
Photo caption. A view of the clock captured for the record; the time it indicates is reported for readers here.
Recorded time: 2:41
